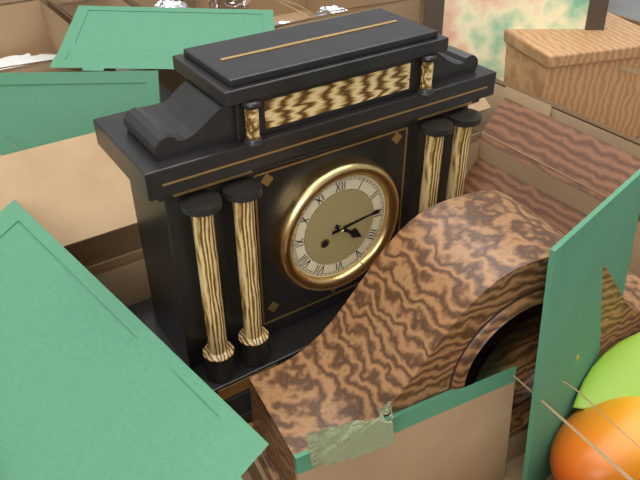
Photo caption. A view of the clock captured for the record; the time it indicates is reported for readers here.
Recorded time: 4:14
